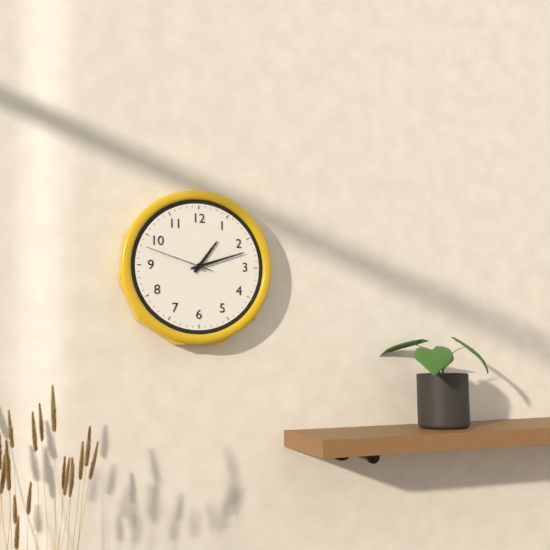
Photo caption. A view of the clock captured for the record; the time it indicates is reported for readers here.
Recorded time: 1:12:48
